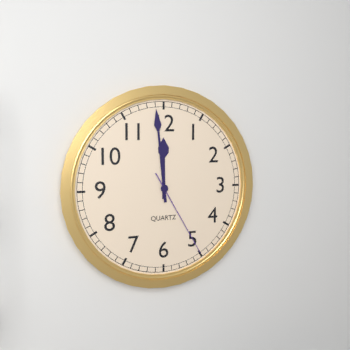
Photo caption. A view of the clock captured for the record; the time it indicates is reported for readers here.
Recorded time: 11:59:25
